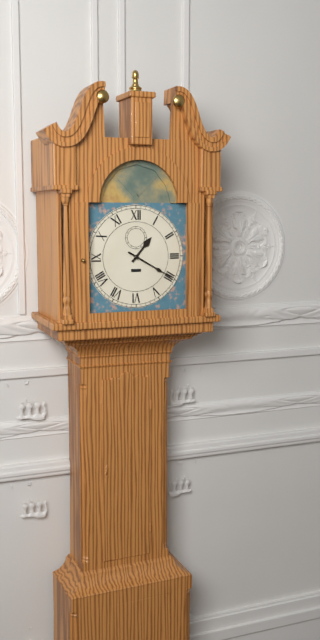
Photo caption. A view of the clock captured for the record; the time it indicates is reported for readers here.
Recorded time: 1:20
